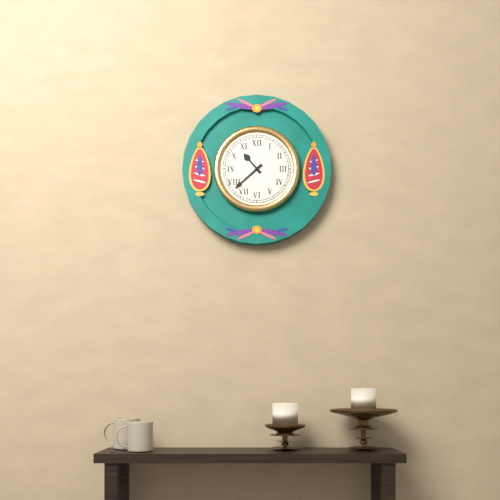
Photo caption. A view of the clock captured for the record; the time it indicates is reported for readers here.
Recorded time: 10:38
